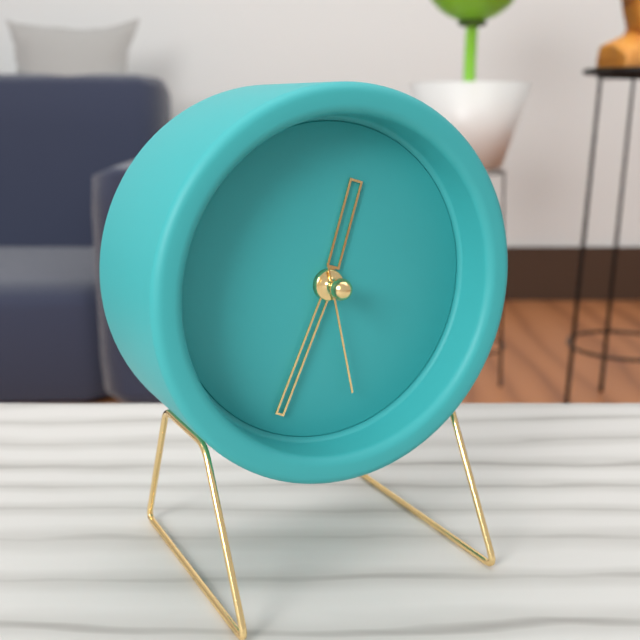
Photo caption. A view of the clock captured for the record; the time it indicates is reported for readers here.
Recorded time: 12:34:28
